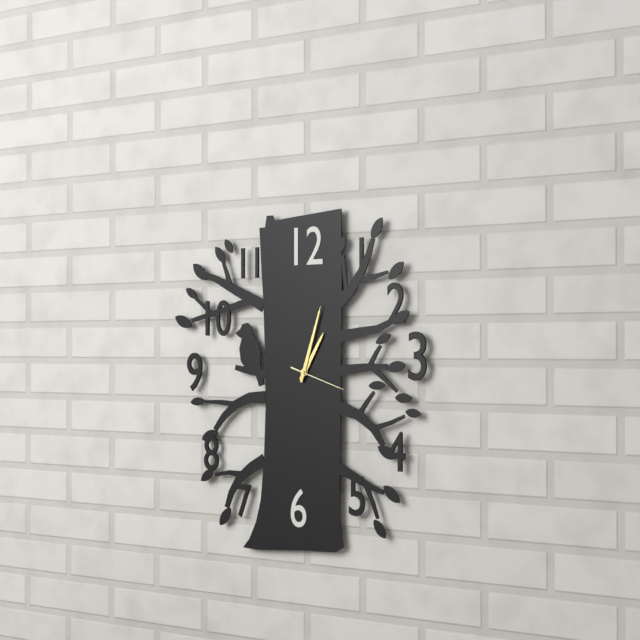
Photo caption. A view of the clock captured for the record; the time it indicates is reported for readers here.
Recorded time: 1:03:18
